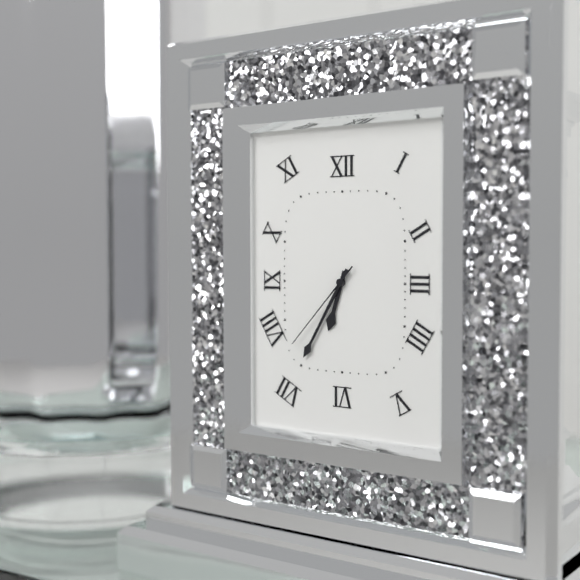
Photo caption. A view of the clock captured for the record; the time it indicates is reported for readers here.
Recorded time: 6:35:37
